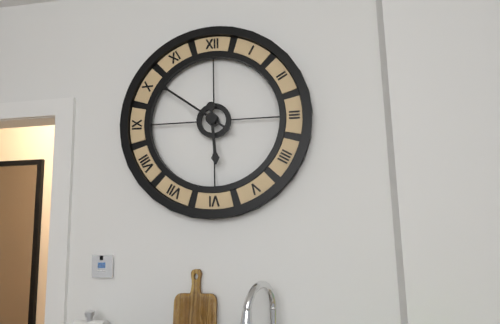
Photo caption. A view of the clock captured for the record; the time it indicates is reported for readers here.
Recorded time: 5:51
